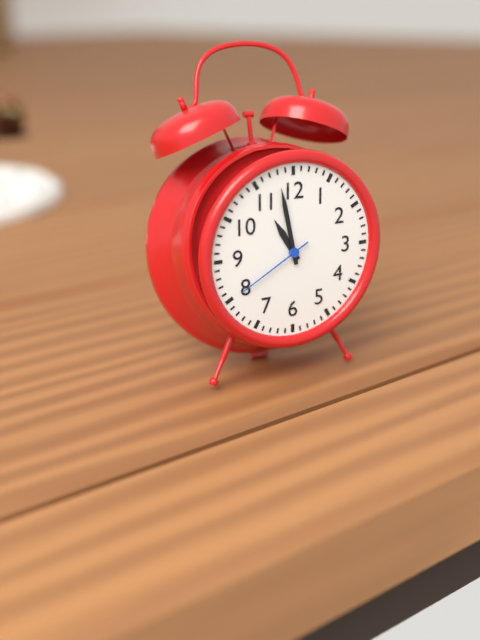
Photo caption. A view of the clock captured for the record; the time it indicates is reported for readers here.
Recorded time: 10:58:40
